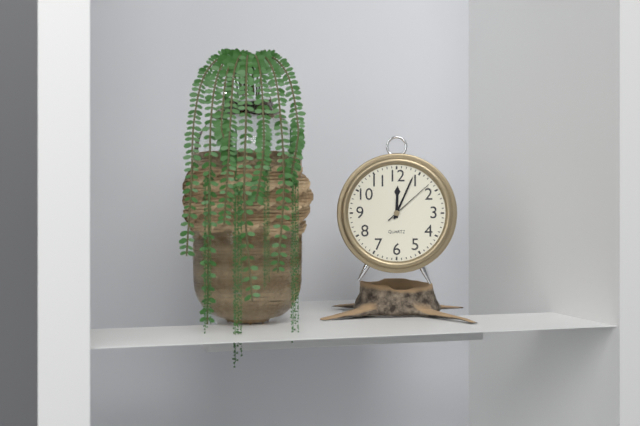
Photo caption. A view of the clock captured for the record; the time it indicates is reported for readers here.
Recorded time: 12:04:08
